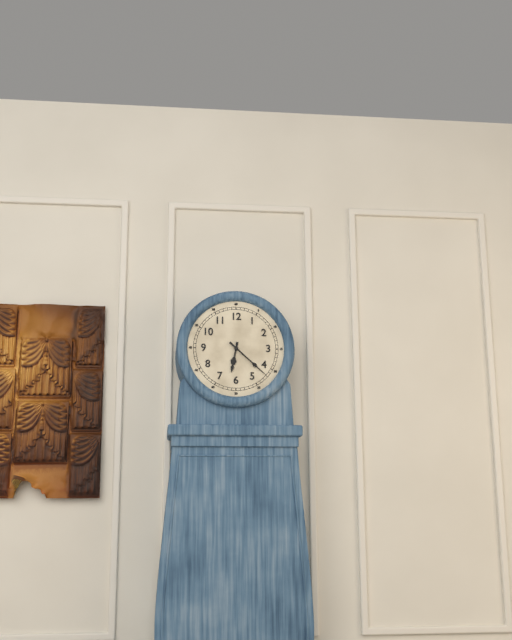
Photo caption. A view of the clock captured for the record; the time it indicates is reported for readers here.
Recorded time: 6:22
